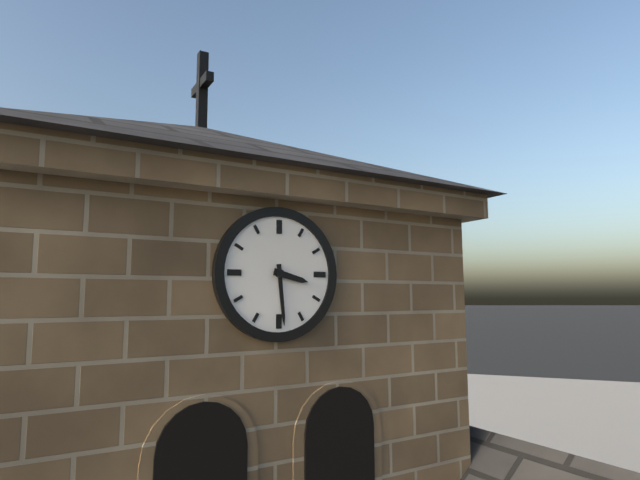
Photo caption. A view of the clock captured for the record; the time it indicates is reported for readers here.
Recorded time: 3:29
